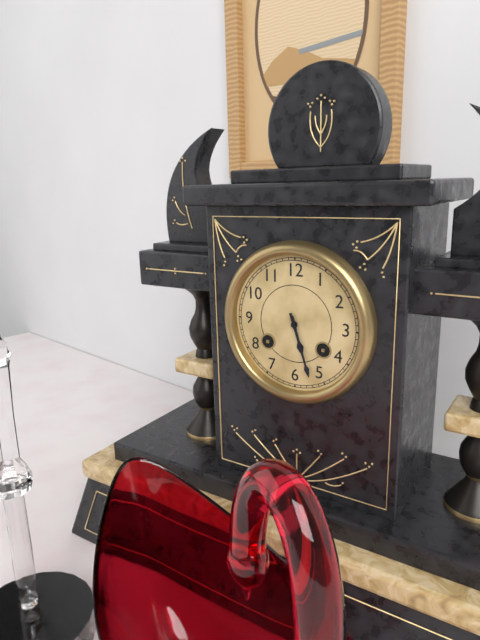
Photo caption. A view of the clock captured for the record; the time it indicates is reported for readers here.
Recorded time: 5:27
